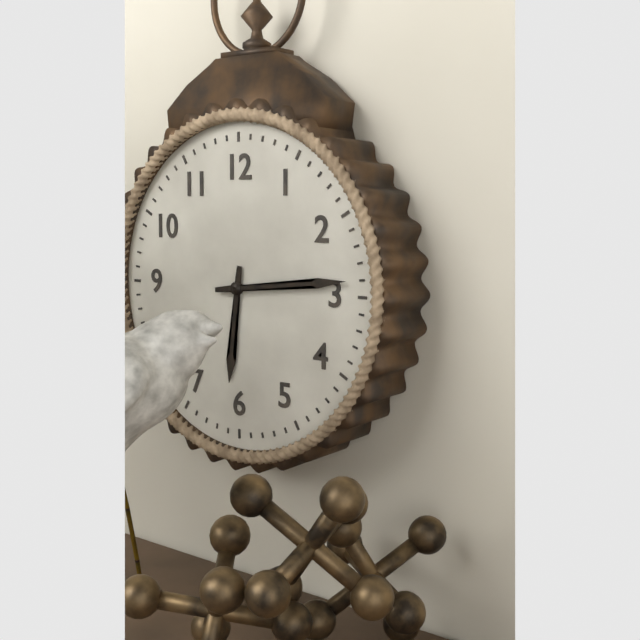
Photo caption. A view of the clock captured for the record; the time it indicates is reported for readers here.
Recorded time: 6:14
